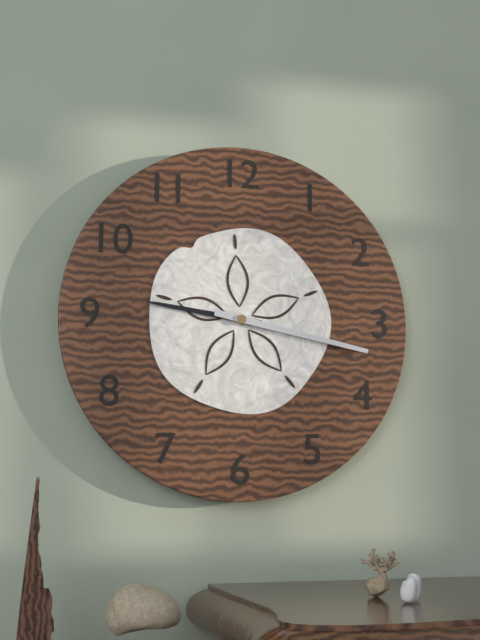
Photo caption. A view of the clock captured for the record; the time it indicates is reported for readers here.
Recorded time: 9:17
